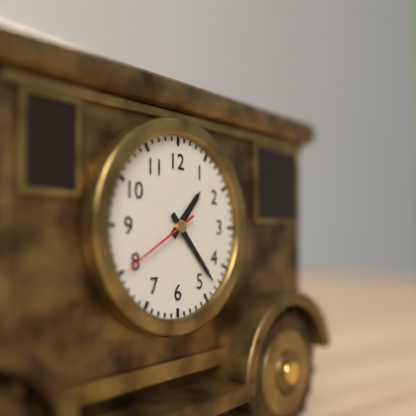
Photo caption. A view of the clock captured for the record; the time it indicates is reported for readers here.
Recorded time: 1:23:40
